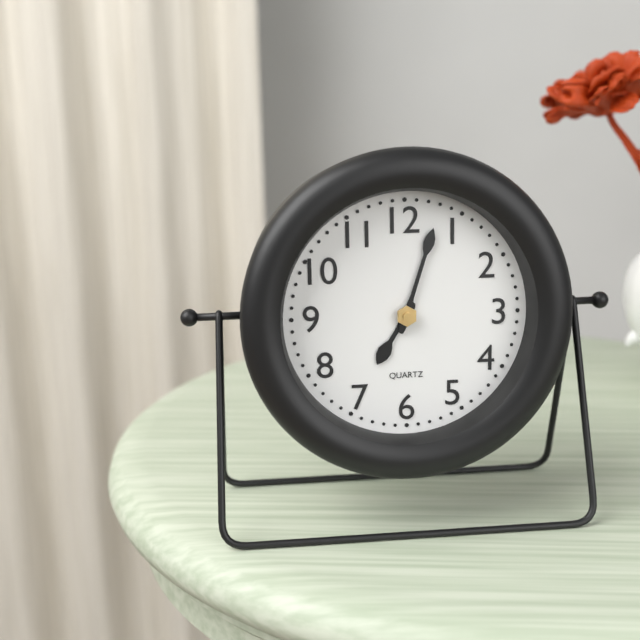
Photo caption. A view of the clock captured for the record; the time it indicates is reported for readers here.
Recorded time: 7:03
